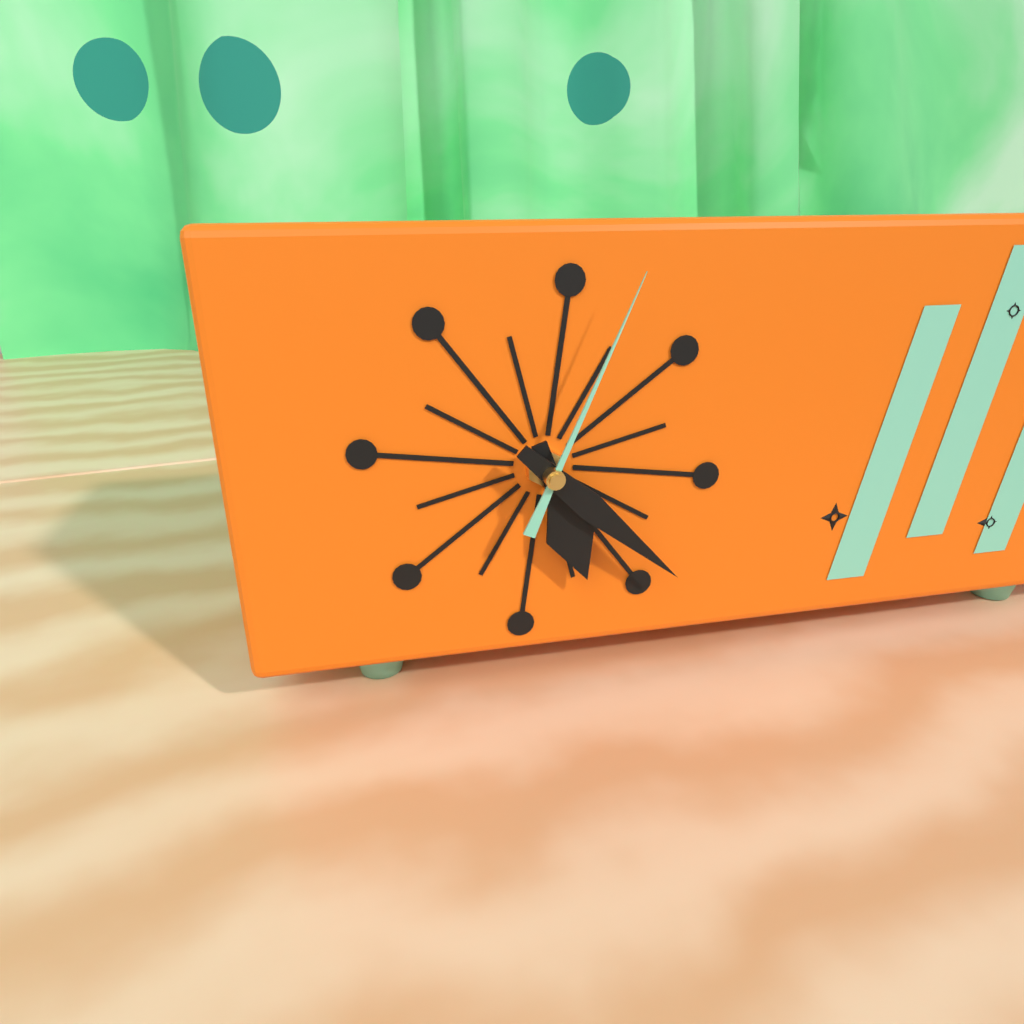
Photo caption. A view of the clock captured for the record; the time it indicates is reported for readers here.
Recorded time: 5:22:04
